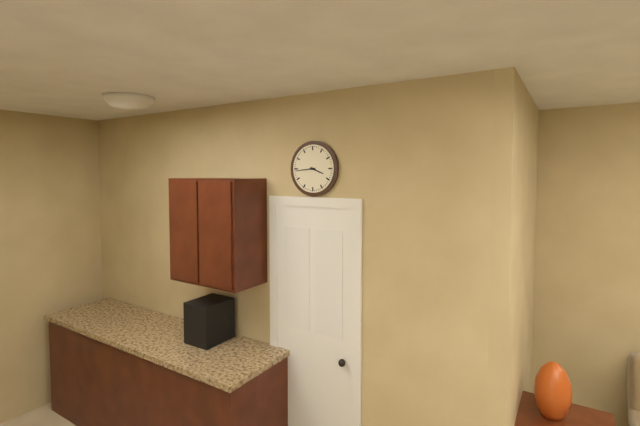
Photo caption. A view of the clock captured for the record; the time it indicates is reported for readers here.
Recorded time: 3:44
